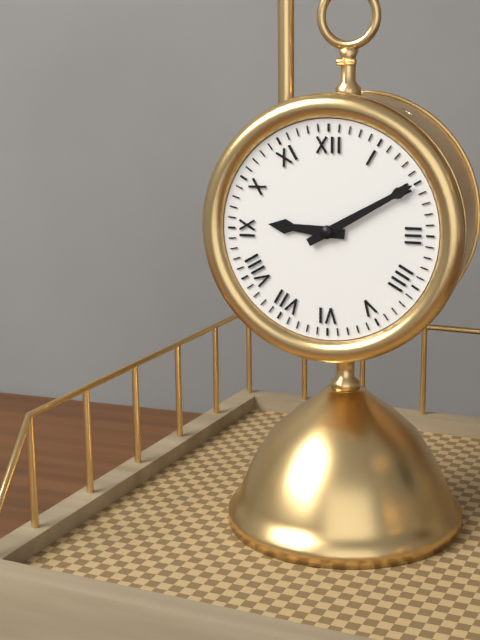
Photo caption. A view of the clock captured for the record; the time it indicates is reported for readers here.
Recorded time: 9:10
